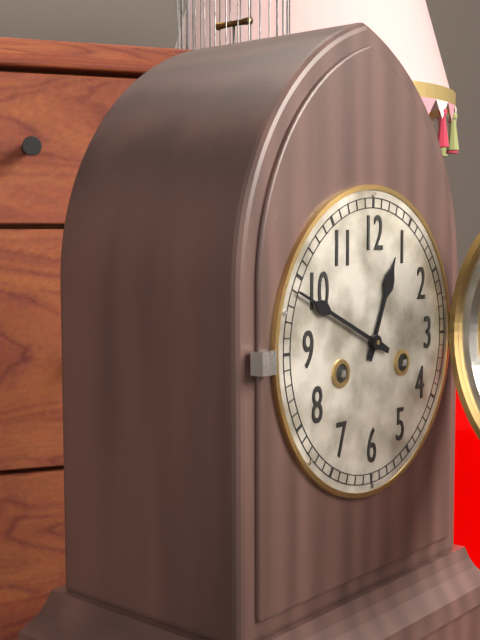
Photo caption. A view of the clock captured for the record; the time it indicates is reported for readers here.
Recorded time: 12:49
